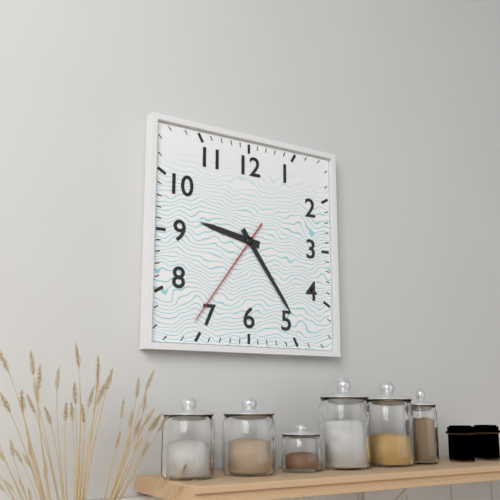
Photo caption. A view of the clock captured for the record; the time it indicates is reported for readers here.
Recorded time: 9:24:36
